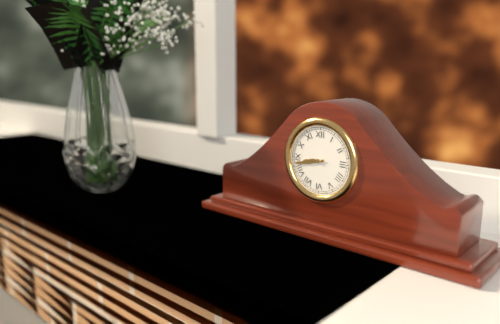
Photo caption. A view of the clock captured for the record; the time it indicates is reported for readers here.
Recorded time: 8:43
